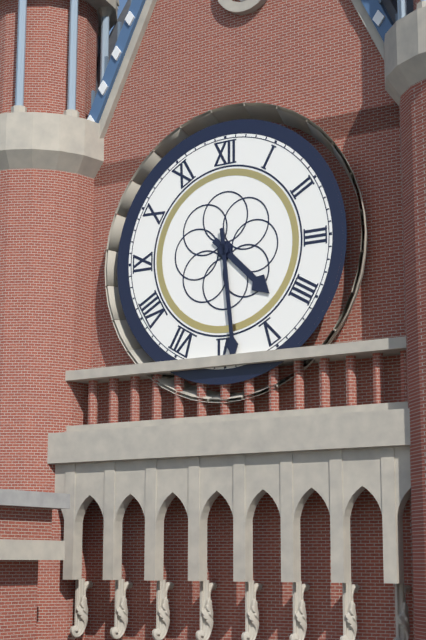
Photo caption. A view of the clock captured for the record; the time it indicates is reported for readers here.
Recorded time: 4:29
